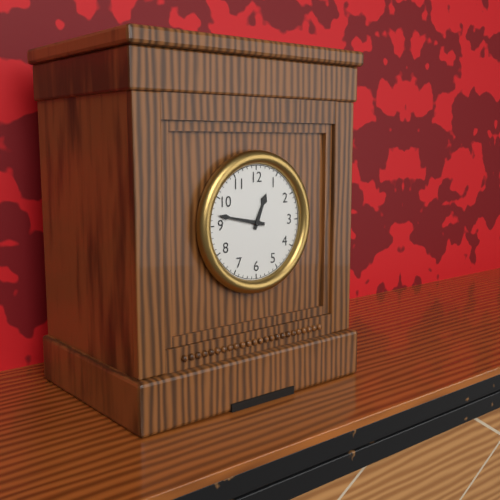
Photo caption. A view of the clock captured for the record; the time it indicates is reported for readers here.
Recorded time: 12:47
